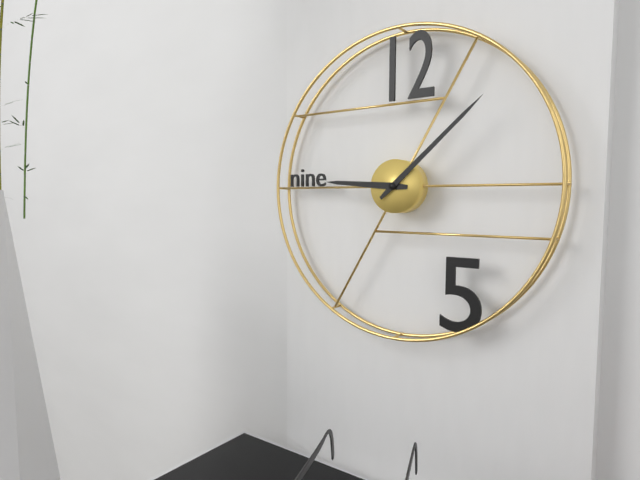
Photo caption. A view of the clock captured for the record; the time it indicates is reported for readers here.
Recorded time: 9:08
